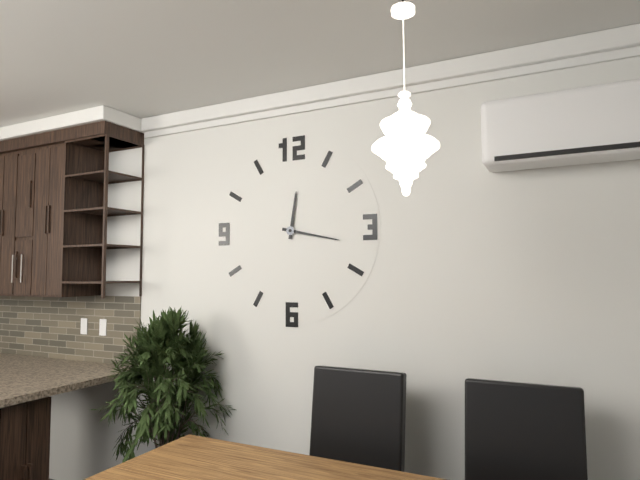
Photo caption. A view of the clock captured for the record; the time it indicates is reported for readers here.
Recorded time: 12:17
